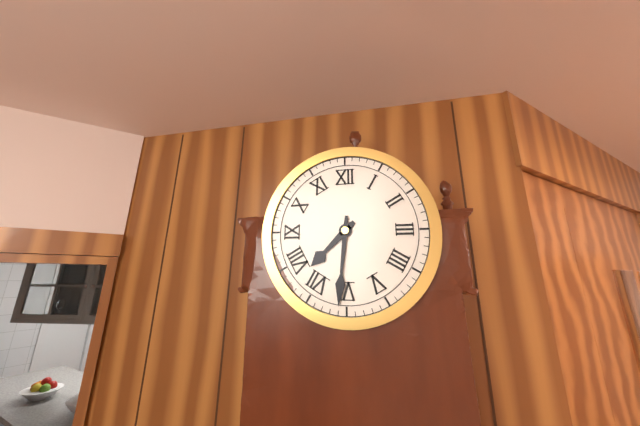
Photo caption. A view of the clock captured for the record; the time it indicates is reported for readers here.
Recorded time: 7:31
